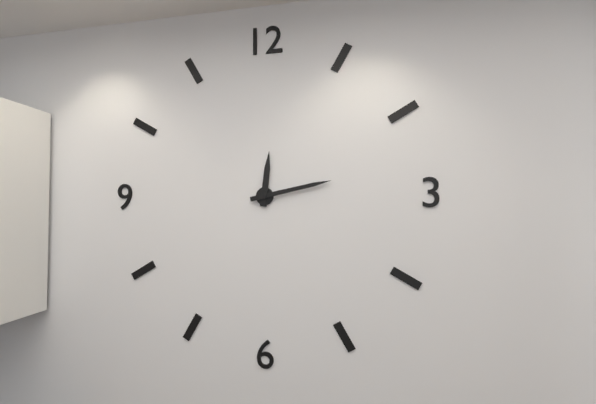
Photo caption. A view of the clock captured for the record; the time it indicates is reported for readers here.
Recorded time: 12:13
